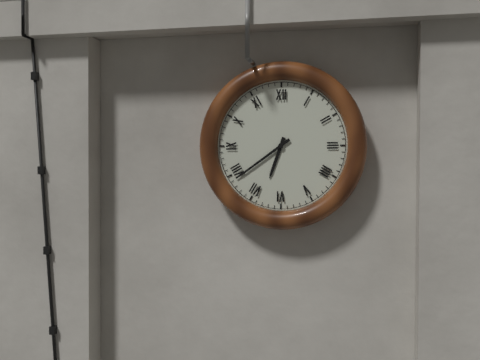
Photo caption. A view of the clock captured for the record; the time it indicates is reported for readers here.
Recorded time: 6:39
